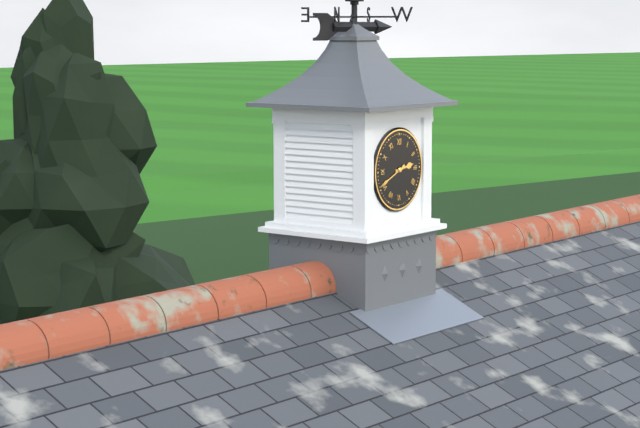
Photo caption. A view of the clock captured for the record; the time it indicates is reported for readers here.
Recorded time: 2:41
